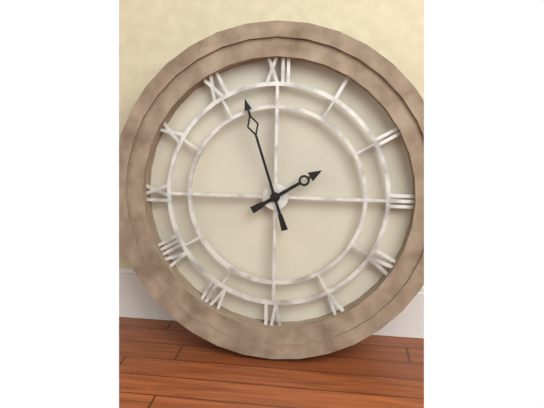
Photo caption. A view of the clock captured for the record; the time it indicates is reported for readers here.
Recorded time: 1:57
